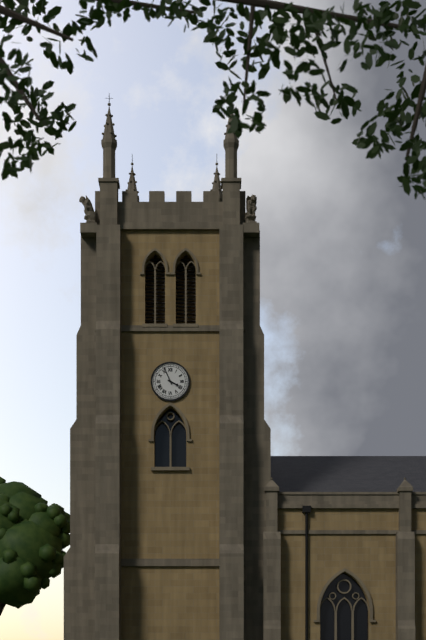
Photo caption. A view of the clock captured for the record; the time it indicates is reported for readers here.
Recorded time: 3:56
